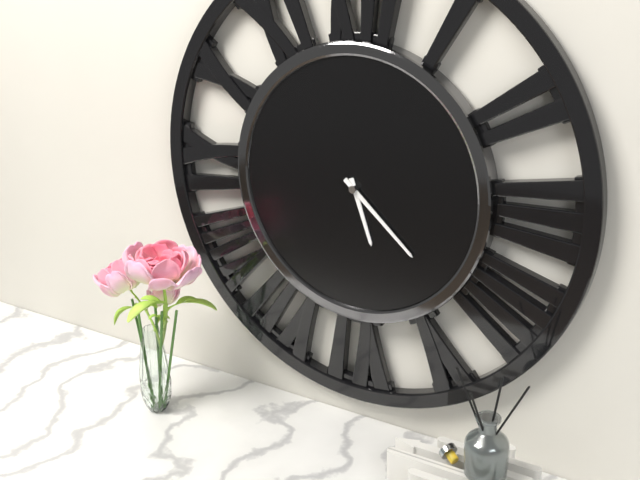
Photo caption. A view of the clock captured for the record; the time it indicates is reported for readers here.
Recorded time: 5:22
